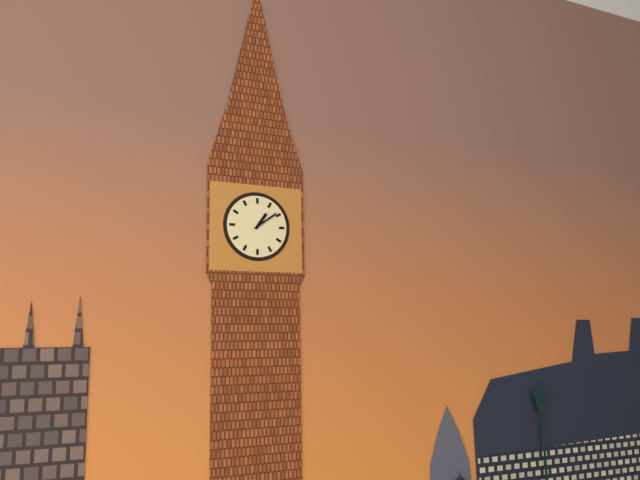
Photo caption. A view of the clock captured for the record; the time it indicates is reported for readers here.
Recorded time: 1:09
